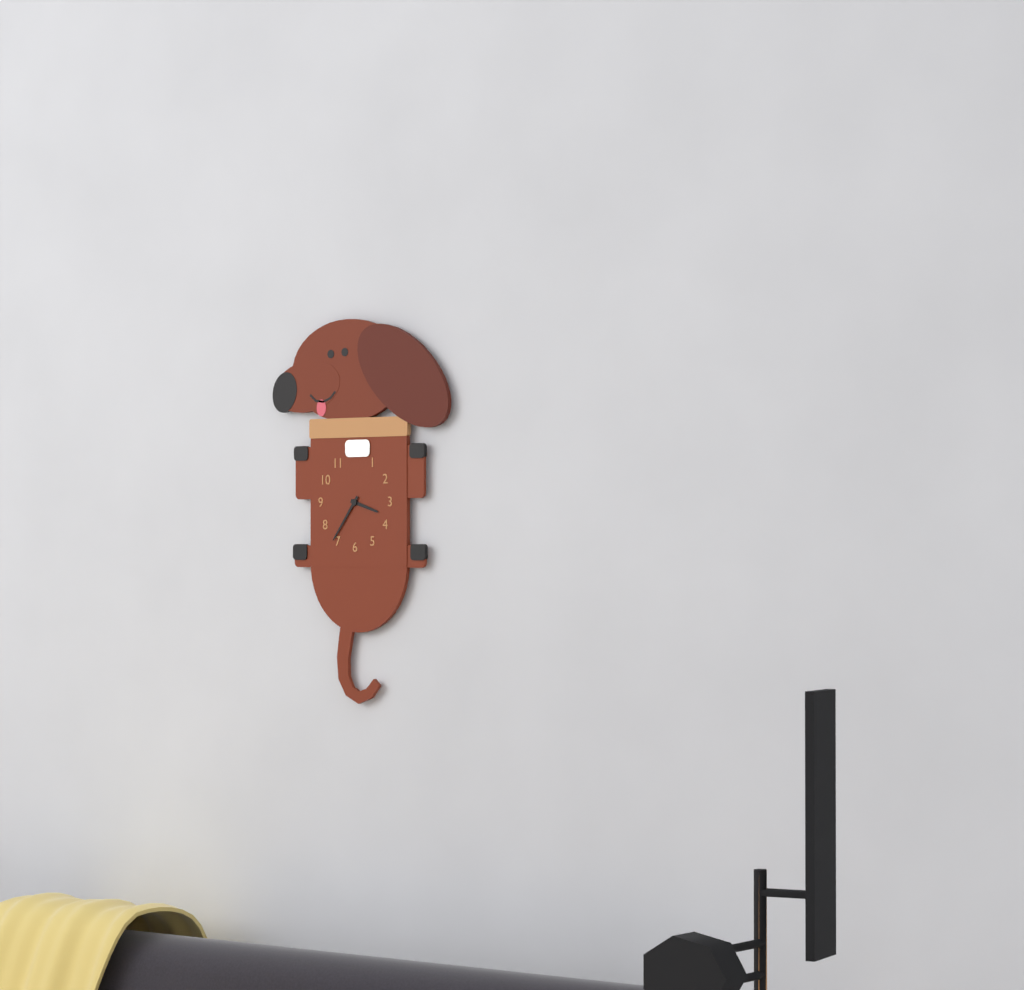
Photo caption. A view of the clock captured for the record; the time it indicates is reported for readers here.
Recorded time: 3:36
